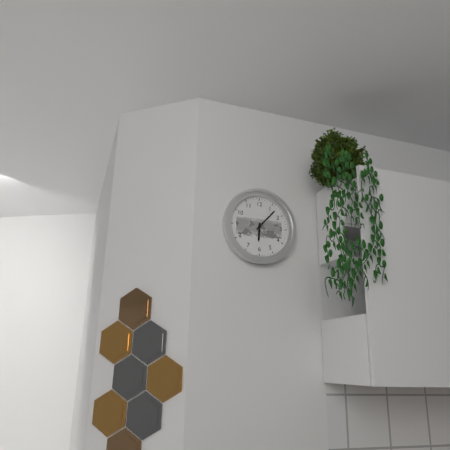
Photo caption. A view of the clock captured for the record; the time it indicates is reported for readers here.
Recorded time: 6:07
